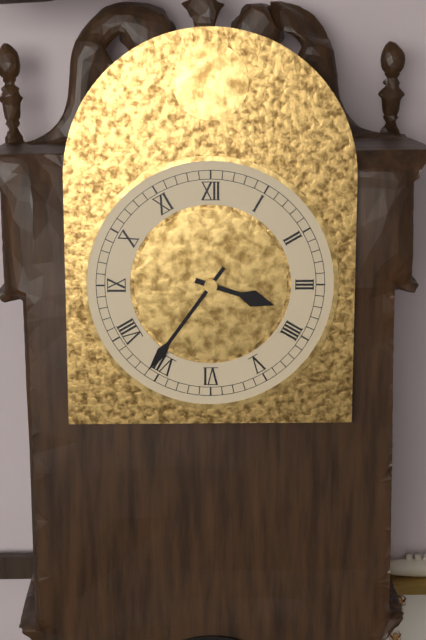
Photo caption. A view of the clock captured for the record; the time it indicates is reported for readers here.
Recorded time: 3:36
